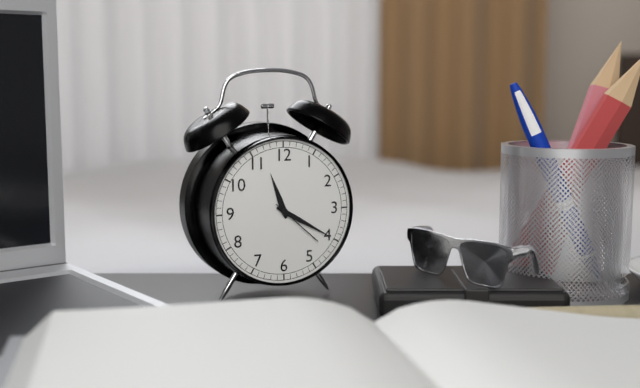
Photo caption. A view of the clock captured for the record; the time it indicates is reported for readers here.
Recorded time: 11:20:22
